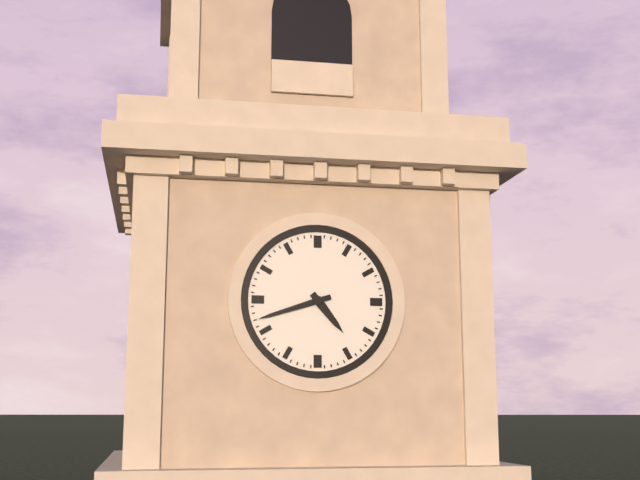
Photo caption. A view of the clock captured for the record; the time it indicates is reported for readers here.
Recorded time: 4:42
